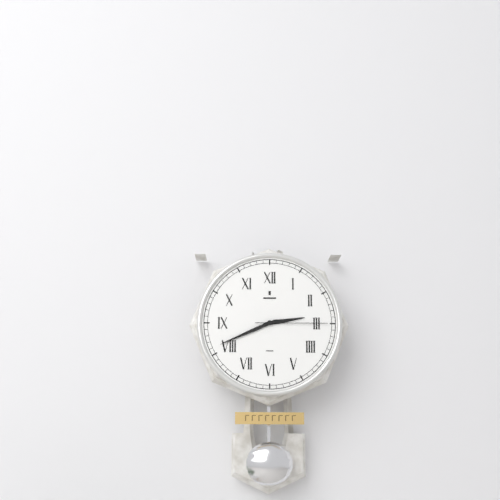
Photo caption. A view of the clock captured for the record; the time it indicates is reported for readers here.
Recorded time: 2:41:15
